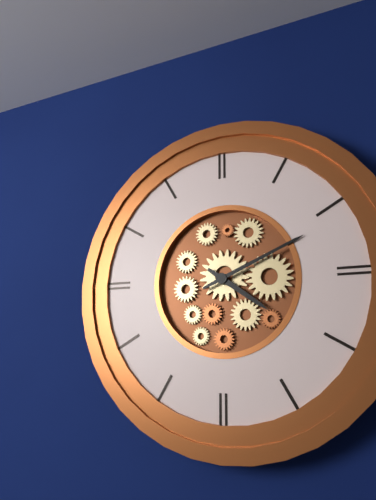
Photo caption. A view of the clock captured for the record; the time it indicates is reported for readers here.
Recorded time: 4:11
